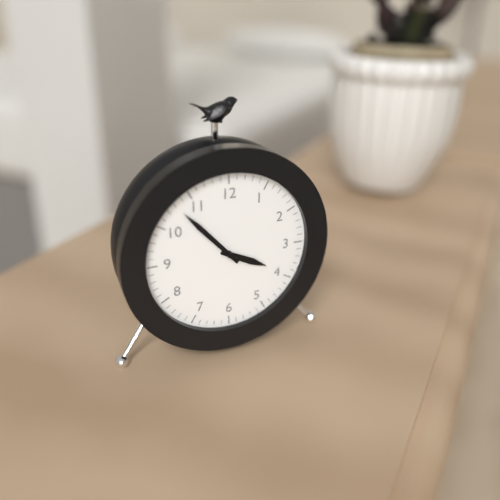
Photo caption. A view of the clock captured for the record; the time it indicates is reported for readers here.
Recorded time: 3:53
